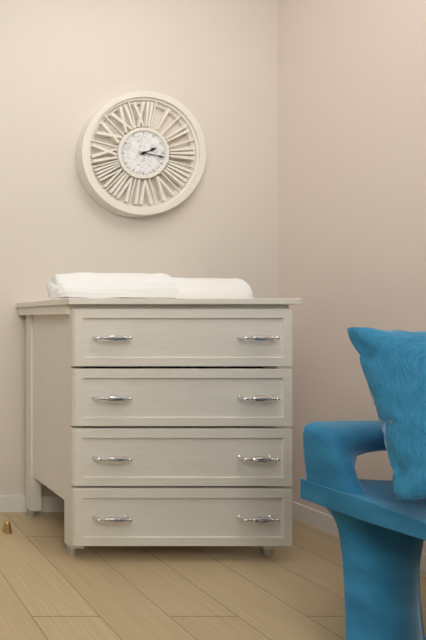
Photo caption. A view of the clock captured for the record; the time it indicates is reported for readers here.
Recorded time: 2:17
